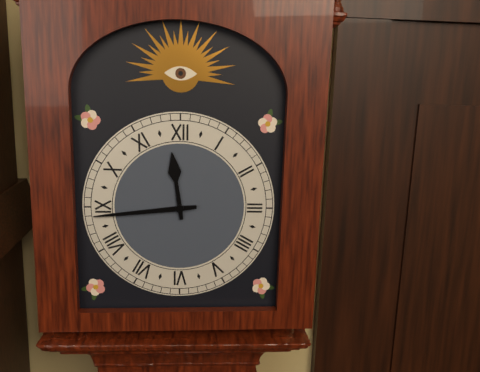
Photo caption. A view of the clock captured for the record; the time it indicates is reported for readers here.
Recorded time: 11:44
